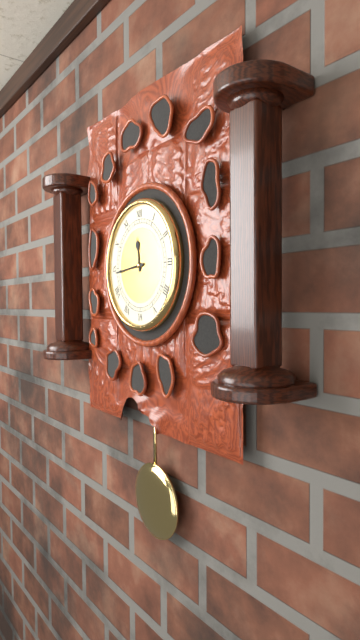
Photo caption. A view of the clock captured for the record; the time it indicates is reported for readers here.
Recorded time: 11:44
